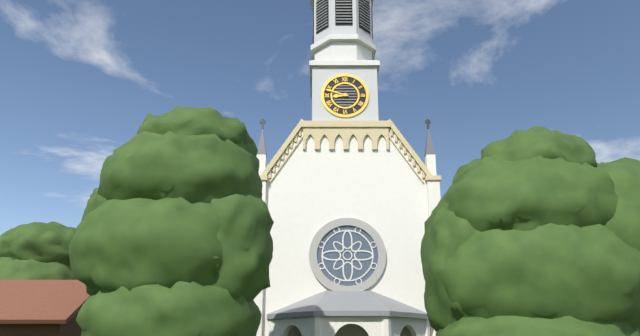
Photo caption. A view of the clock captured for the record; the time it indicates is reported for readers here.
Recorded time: 8:48
